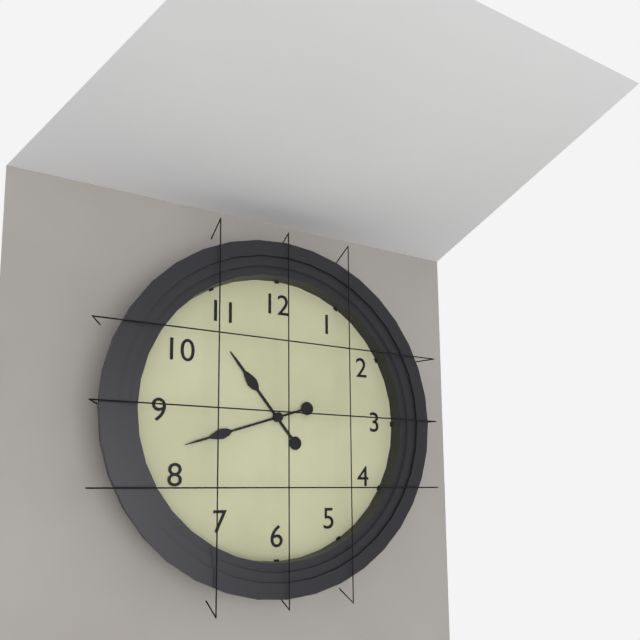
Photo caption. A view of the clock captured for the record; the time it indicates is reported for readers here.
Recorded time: 10:42
